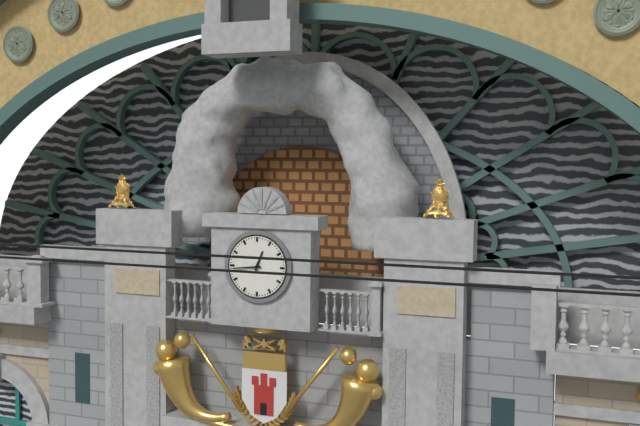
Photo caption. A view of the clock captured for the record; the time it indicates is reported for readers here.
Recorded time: 12:44
